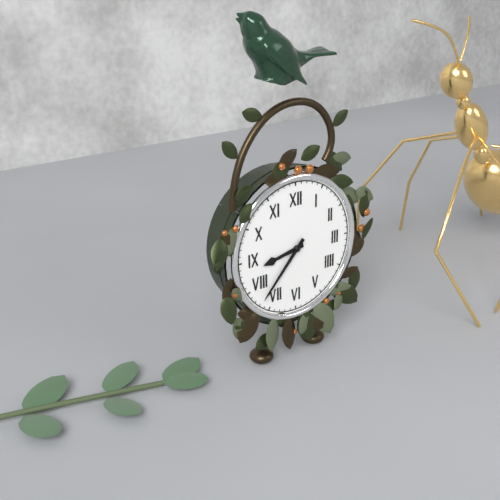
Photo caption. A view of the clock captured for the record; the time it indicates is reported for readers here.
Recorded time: 8:37
